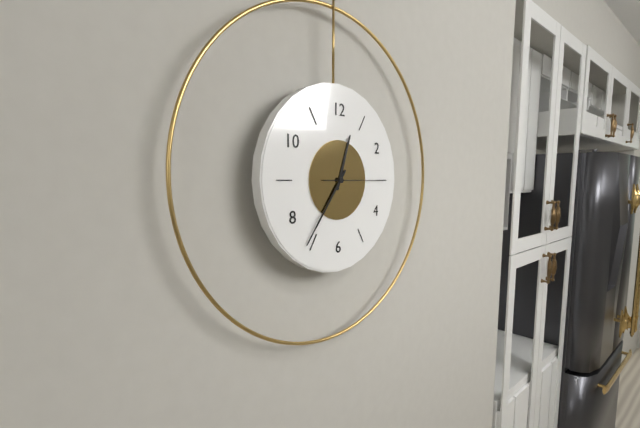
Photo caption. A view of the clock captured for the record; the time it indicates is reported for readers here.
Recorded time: 12:36:15
